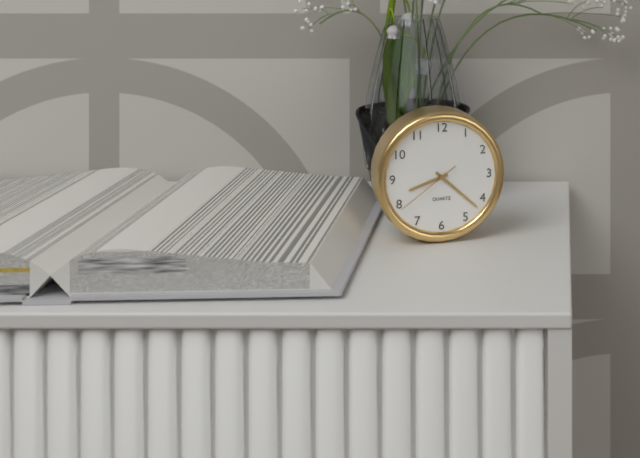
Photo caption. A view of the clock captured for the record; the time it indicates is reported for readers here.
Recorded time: 8:22:39
